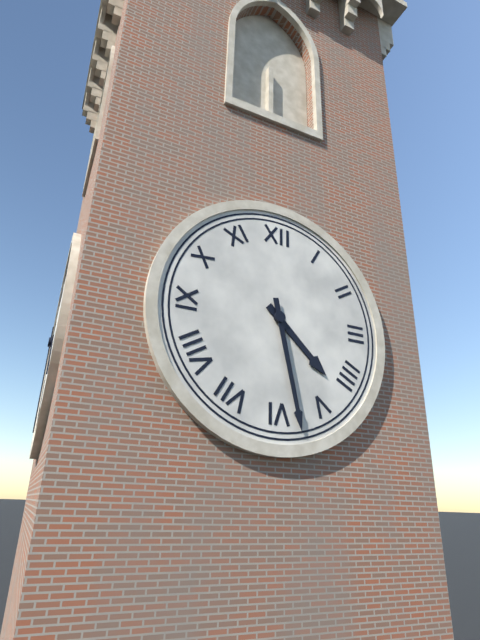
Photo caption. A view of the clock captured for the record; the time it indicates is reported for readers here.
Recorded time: 4:28
